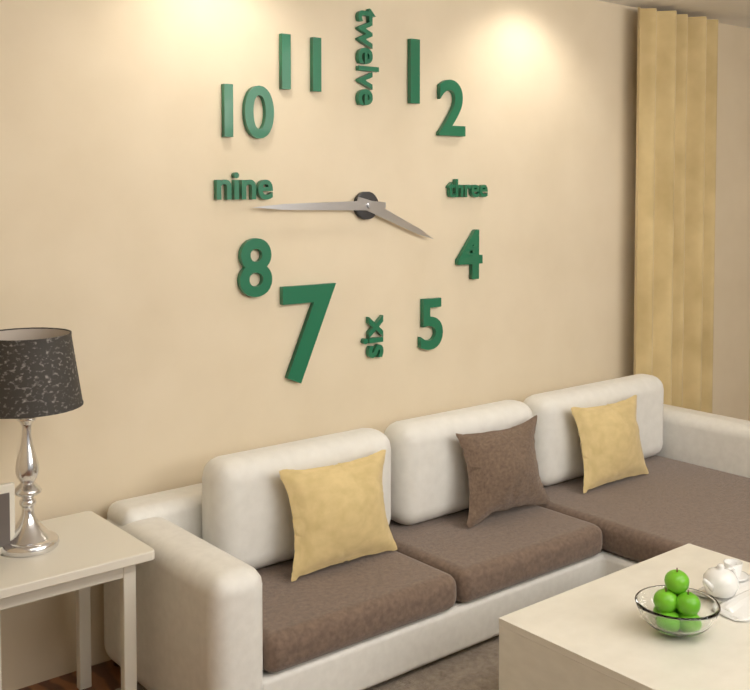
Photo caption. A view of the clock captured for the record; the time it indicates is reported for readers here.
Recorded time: 3:45
